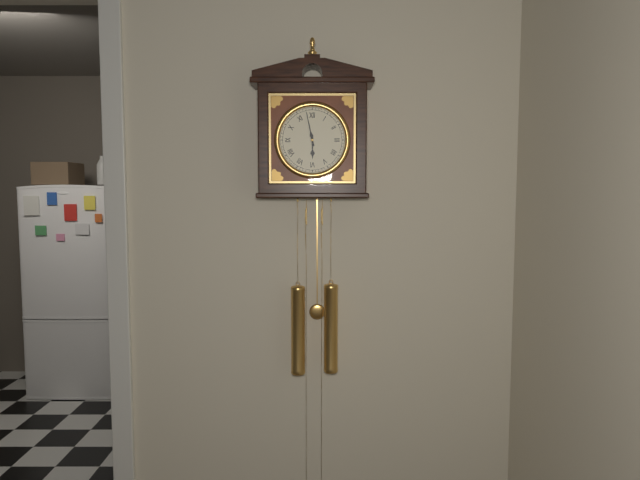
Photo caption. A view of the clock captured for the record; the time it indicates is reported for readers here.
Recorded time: 5:58
